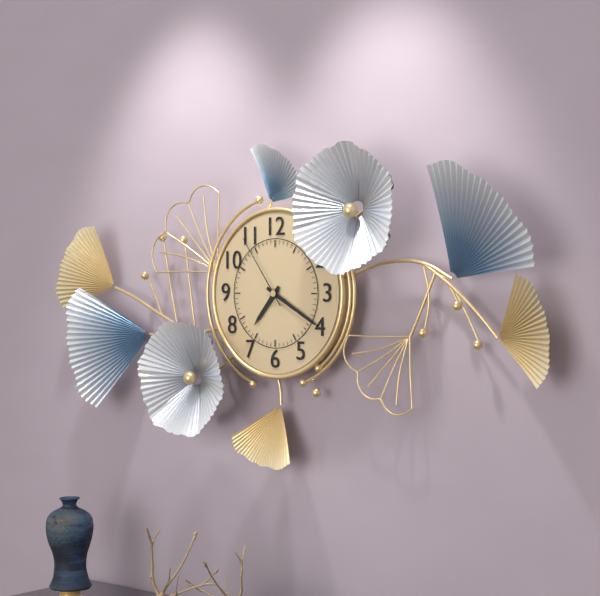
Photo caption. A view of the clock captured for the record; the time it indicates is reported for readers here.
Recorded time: 7:20:54
